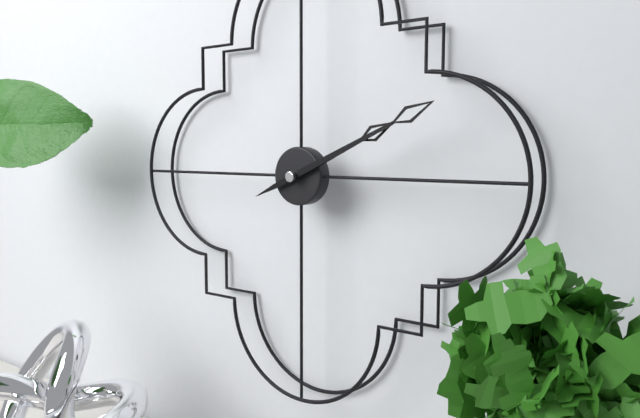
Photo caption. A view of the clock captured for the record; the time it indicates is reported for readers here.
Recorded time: 2:11
